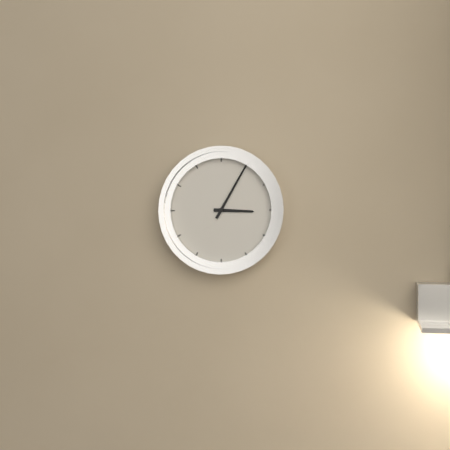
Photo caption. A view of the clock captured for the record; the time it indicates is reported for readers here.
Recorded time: 3:05
